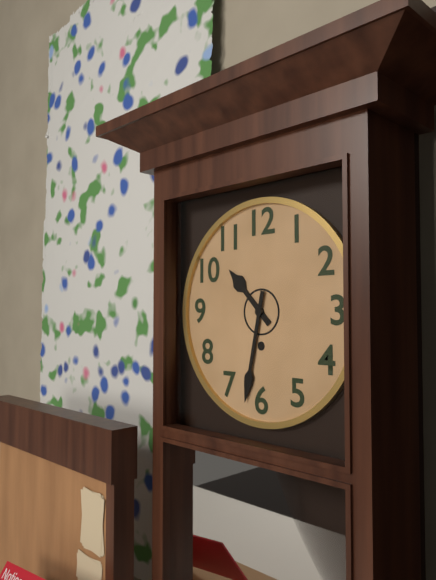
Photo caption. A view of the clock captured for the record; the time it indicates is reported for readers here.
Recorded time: 10:32
